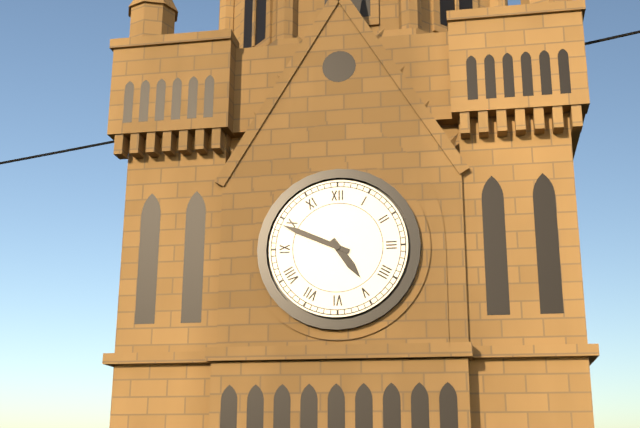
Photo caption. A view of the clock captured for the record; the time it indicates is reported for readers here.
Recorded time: 4:49
